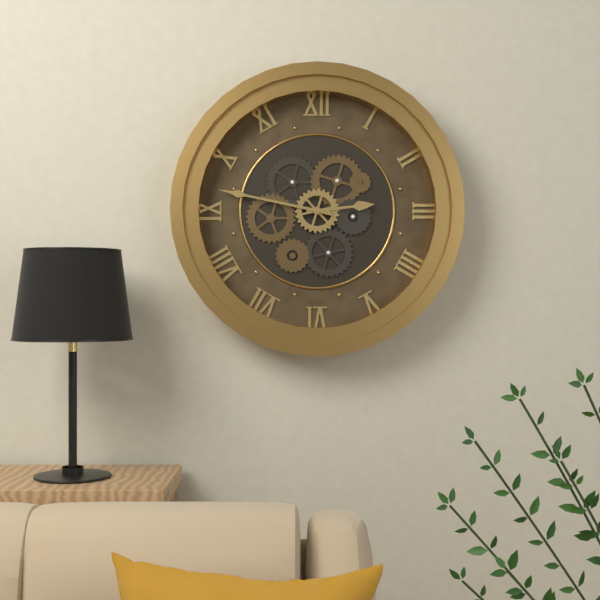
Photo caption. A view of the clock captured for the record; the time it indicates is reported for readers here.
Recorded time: 2:47
